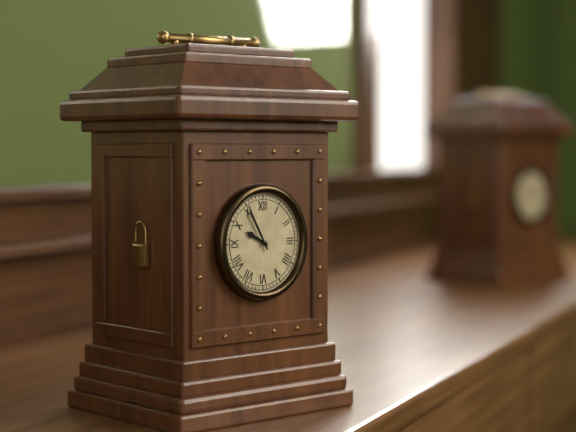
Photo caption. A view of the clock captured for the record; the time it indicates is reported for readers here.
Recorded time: 9:55
